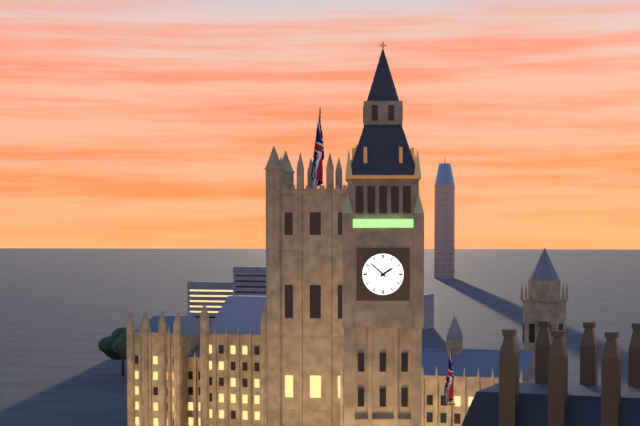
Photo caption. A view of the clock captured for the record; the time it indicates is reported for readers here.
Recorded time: 1:52
